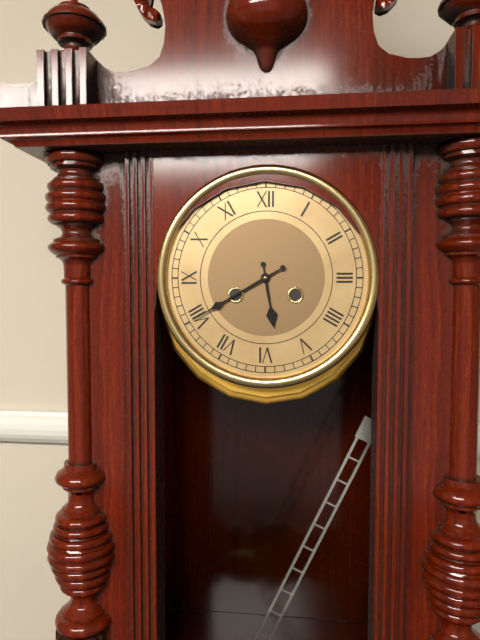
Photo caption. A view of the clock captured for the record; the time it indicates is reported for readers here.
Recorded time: 5:40
